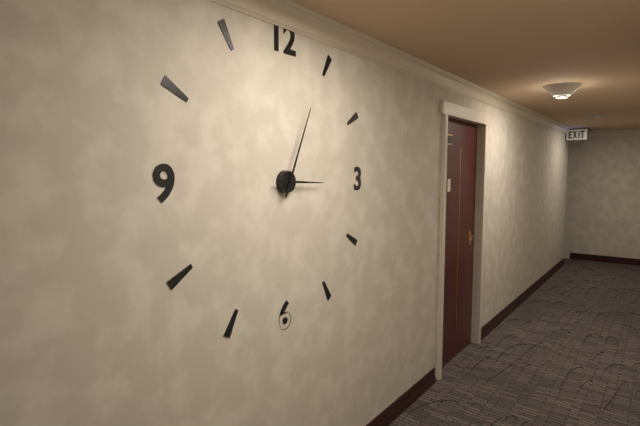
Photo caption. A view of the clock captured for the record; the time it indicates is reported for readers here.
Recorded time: 3:04
